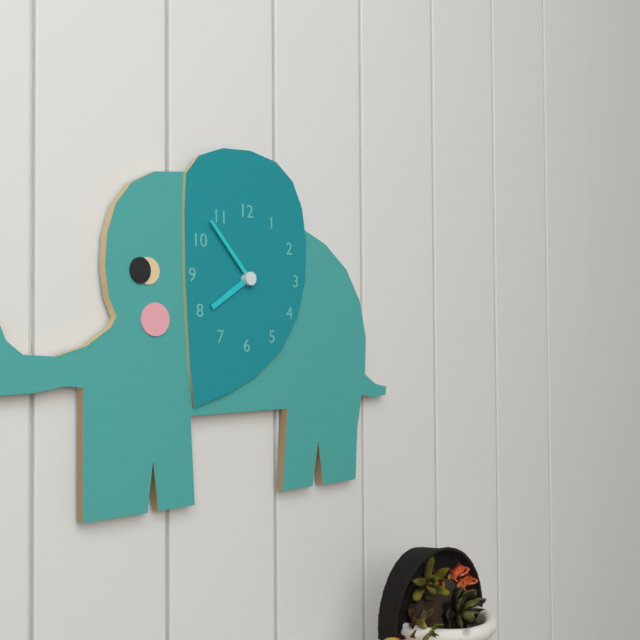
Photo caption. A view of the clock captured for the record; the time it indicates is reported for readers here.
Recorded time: 7:53
